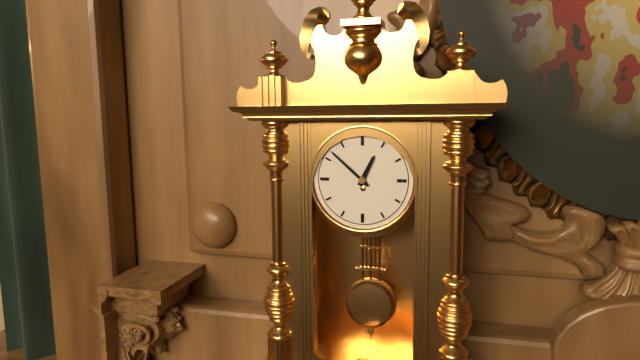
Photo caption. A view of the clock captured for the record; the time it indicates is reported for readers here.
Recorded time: 12:52
